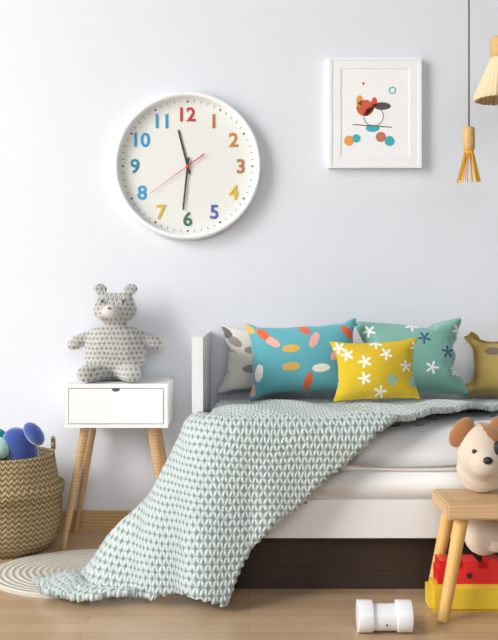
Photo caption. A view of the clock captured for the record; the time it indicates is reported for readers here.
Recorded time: 11:31:39
